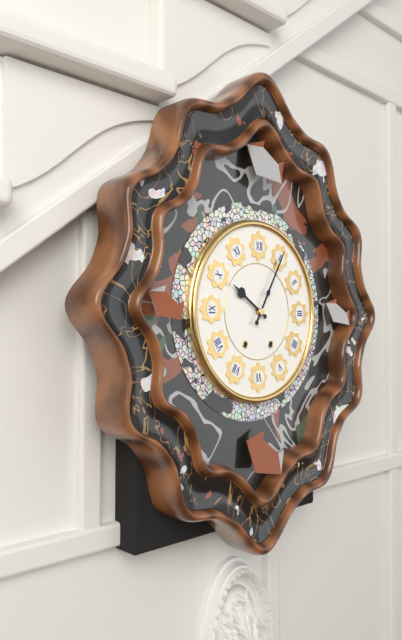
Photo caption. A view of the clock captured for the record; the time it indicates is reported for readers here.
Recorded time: 10:05
